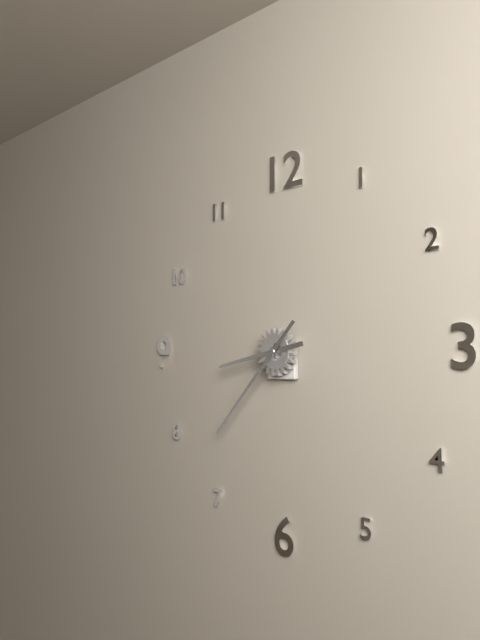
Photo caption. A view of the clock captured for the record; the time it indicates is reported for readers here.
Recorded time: 8:37
